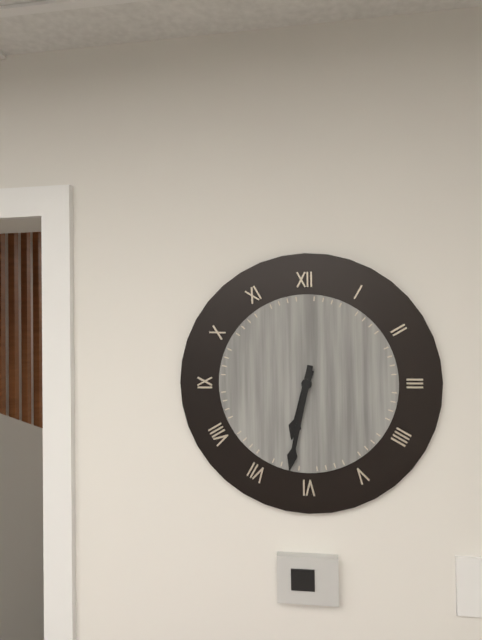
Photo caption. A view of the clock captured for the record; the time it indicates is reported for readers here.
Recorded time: 6:32
